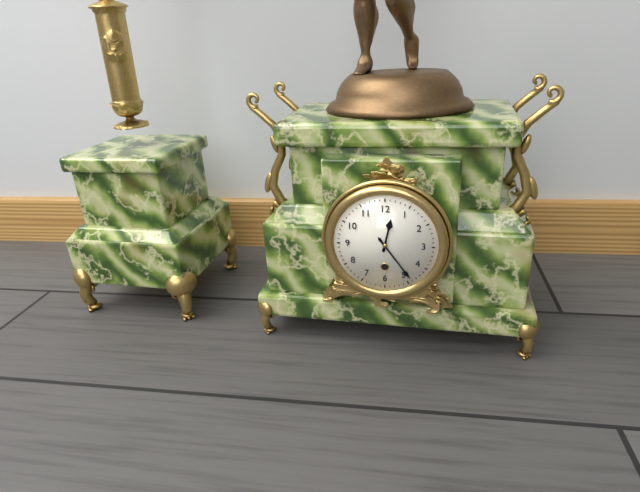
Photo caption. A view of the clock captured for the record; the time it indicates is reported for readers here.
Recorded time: 12:24
